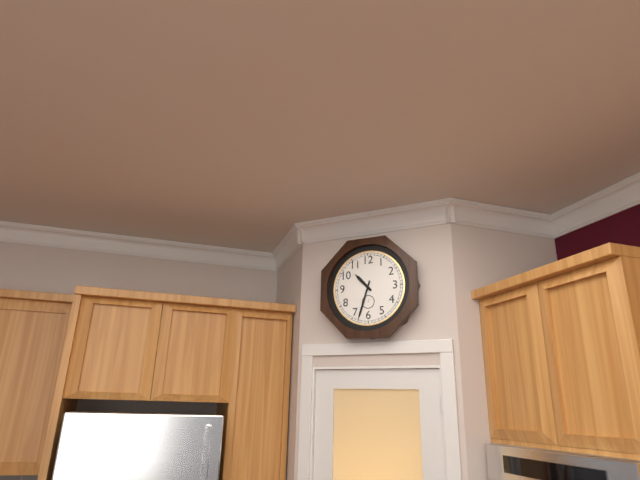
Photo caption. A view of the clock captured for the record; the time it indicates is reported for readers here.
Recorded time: 10:33
